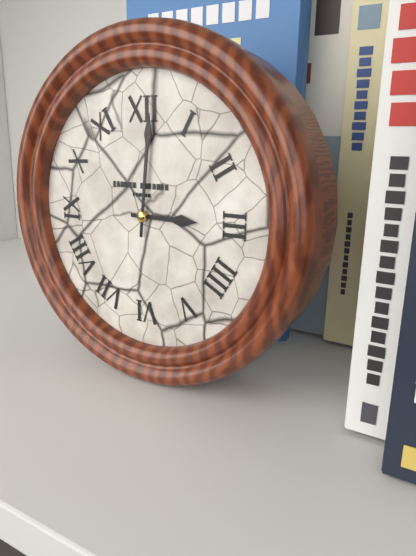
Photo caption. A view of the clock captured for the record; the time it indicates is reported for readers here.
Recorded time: 3:01
